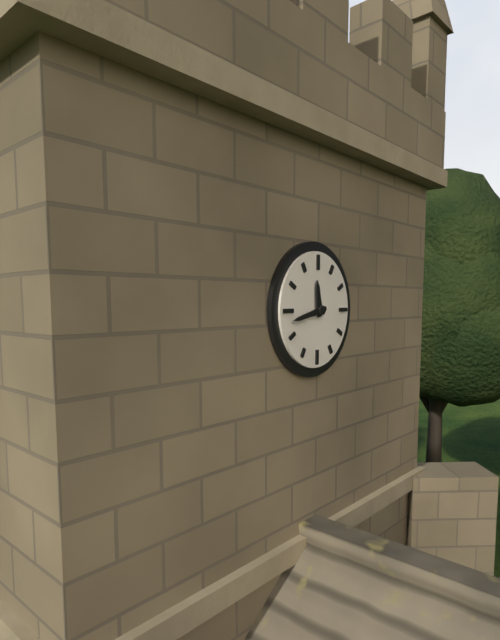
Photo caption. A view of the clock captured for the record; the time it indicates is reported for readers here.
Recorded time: 11:43
